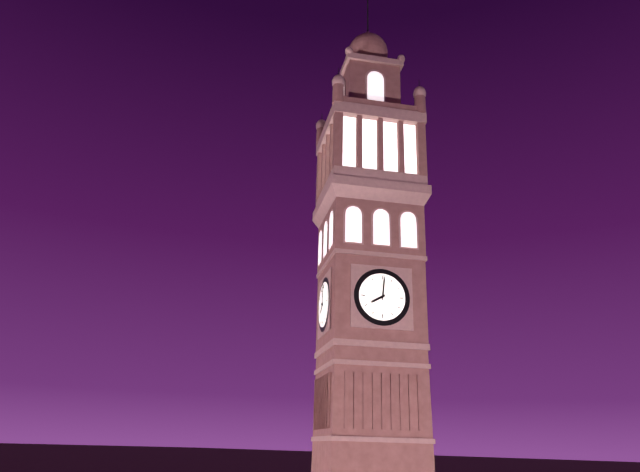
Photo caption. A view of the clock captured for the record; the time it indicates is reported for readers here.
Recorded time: 8:01
